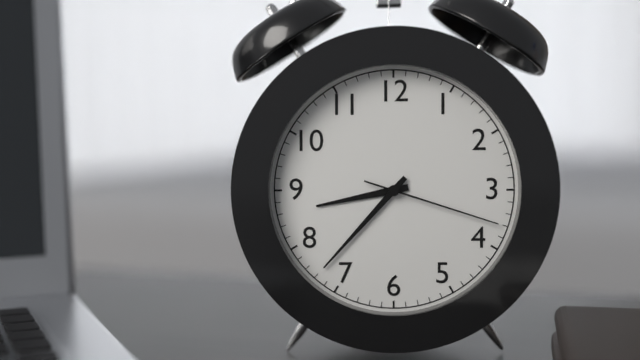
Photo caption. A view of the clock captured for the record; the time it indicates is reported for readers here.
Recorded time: 8:37:18
